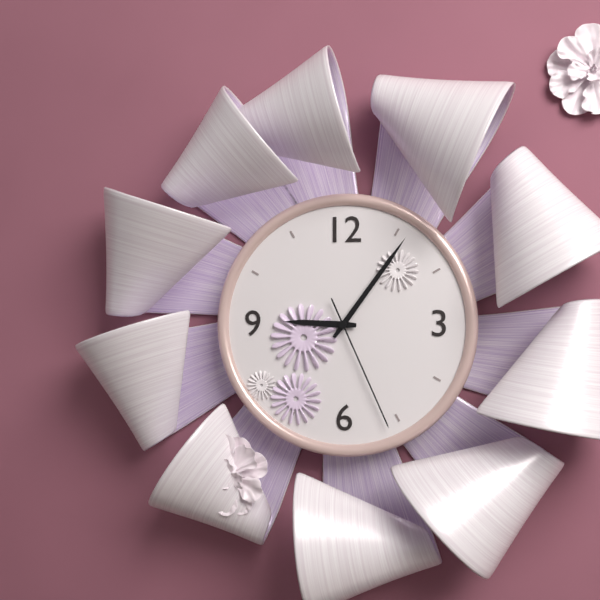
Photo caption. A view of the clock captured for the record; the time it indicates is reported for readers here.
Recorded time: 9:06:26
